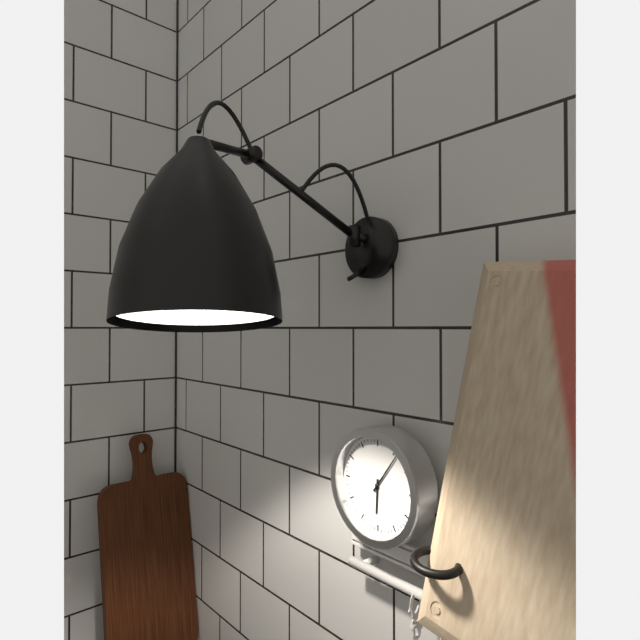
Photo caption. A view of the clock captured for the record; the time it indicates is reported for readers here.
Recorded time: 6:06
